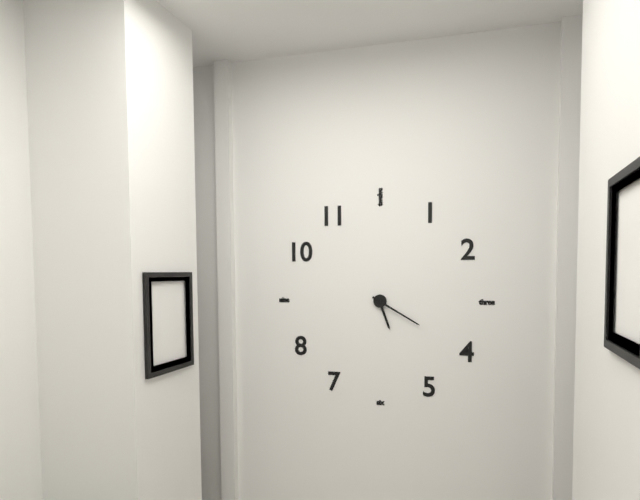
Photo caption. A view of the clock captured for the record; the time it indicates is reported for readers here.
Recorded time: 5:20
